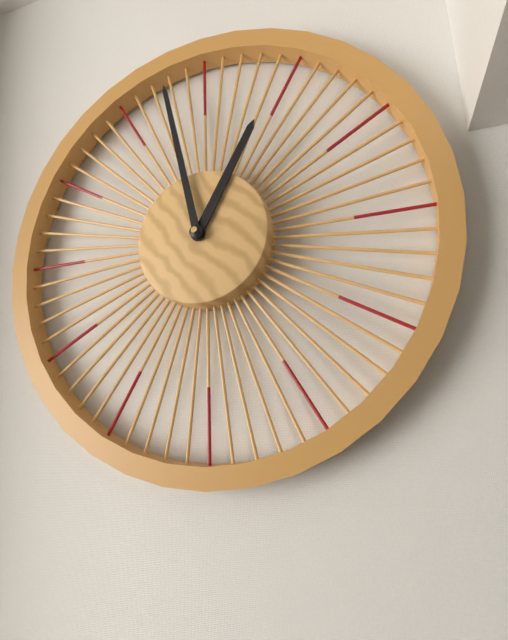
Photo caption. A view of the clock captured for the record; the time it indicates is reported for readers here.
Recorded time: 12:58
